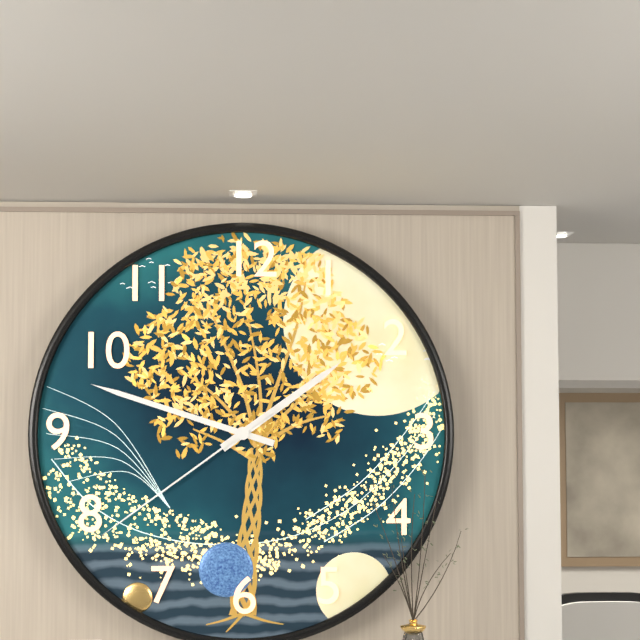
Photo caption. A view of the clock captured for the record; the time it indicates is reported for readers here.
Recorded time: 1:48:39
